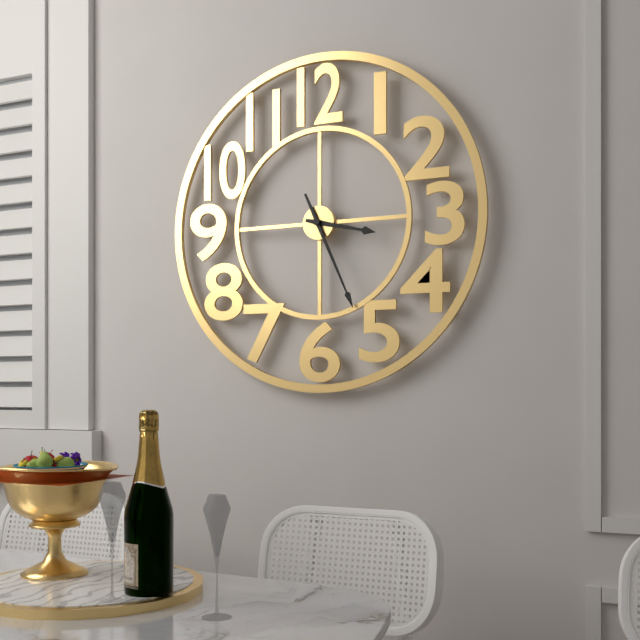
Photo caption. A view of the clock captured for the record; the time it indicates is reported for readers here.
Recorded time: 3:26
